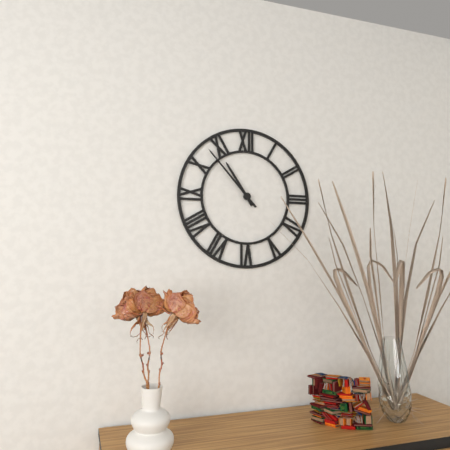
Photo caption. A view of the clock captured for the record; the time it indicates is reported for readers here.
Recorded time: 10:53
